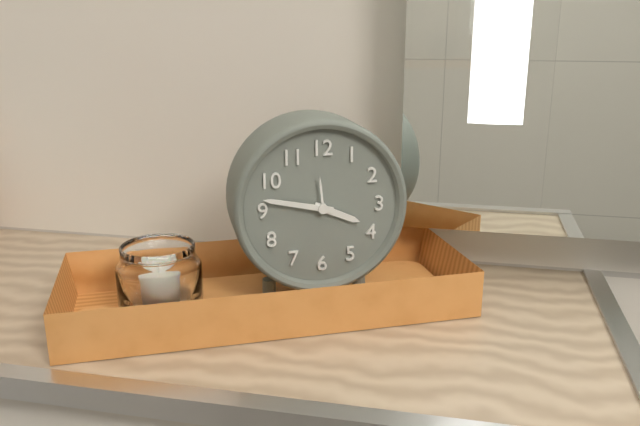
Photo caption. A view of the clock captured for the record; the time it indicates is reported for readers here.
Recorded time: 3:47
